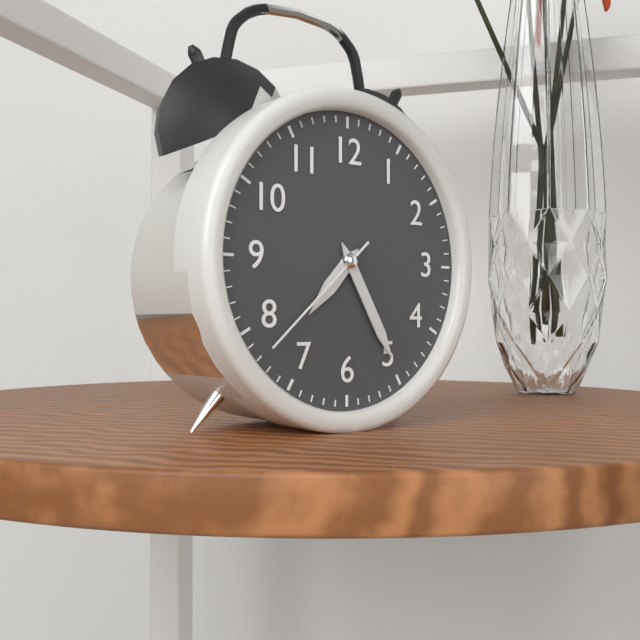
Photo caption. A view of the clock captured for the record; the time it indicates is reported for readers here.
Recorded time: 7:25:38
